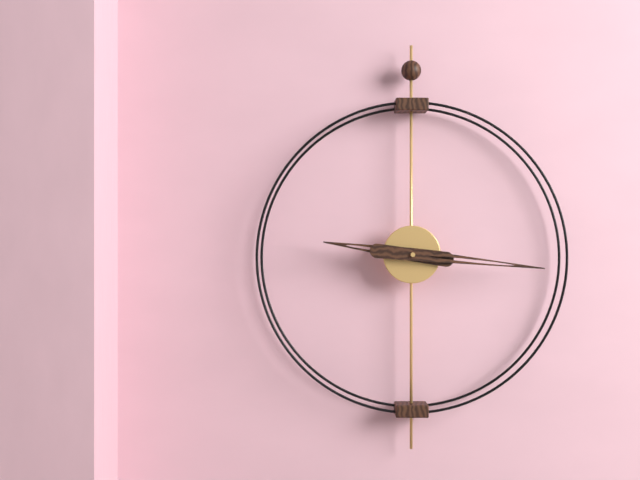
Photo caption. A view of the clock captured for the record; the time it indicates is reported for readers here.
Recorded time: 9:16
